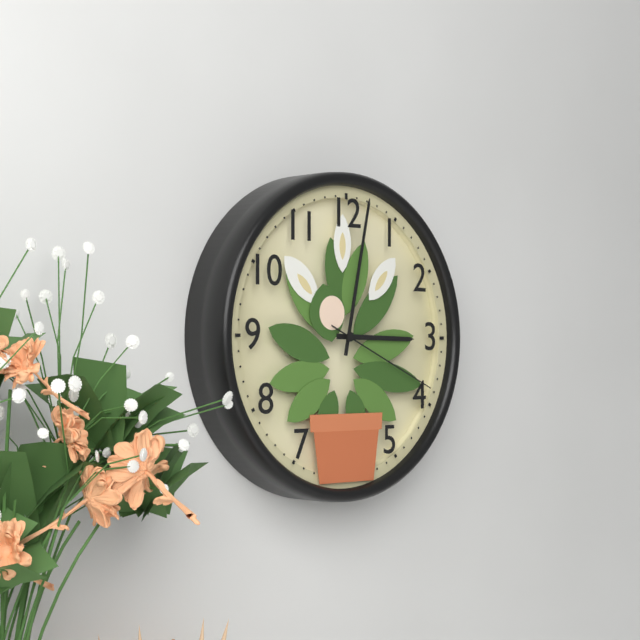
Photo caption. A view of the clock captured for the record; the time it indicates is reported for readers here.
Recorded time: 3:02:19
